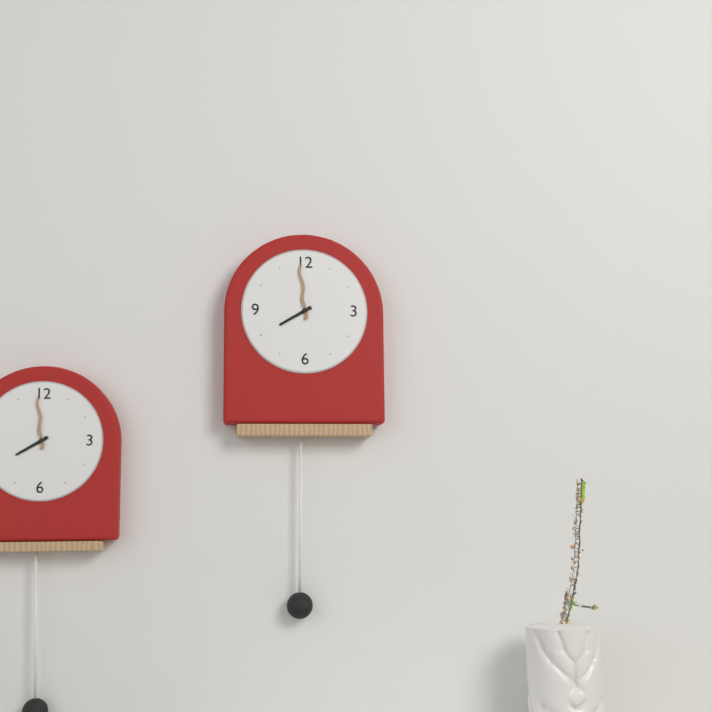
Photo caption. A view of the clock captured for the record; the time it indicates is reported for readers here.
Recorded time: 7:59
